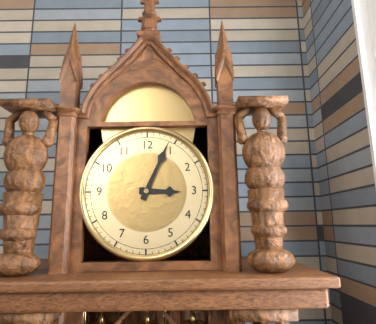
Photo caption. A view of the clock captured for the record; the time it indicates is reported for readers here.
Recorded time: 3:04
